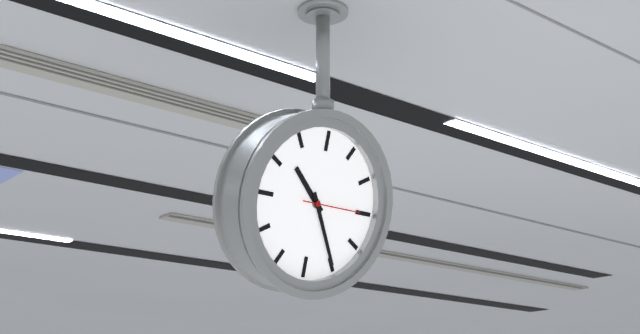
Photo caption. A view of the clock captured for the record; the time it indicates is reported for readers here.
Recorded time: 10:25:15
